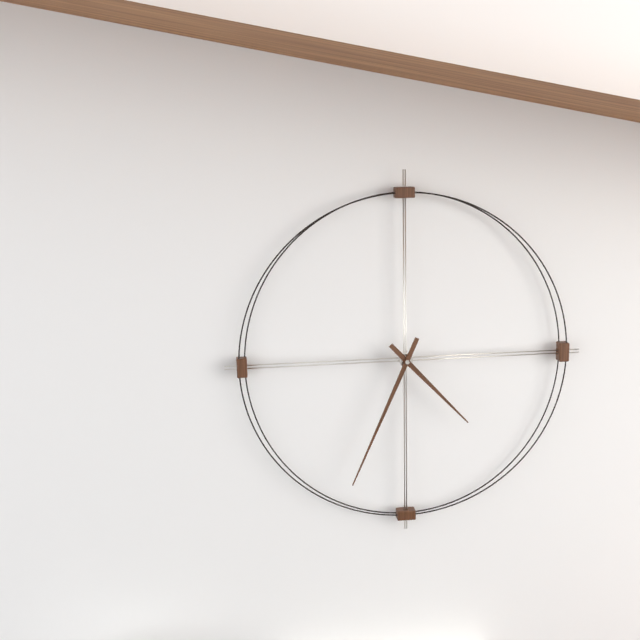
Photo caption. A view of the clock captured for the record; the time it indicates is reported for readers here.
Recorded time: 4:34
